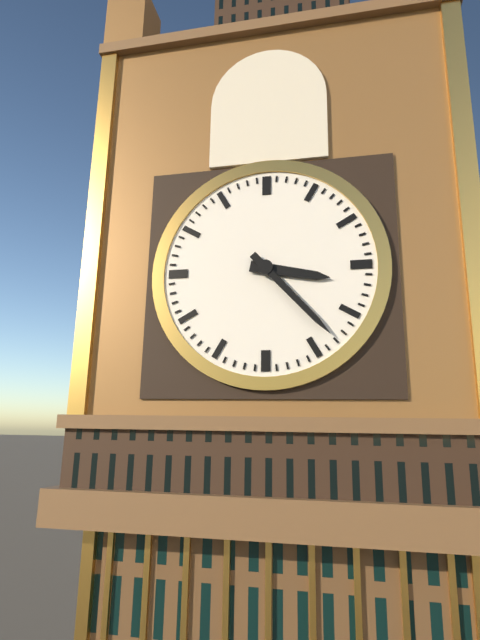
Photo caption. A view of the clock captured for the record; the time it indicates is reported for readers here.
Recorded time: 3:23
